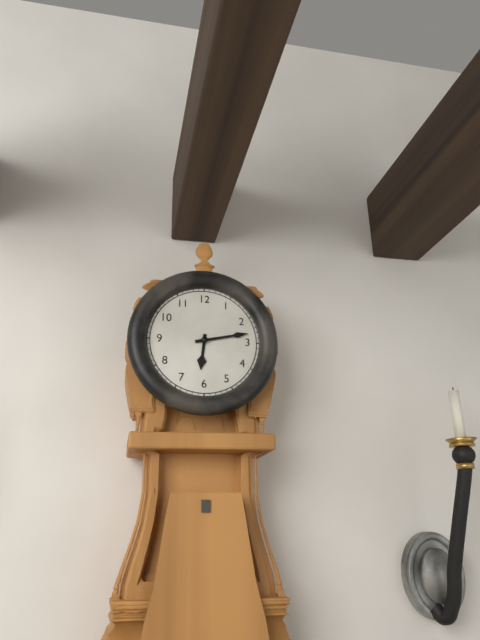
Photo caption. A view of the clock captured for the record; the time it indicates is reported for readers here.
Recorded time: 6:13
